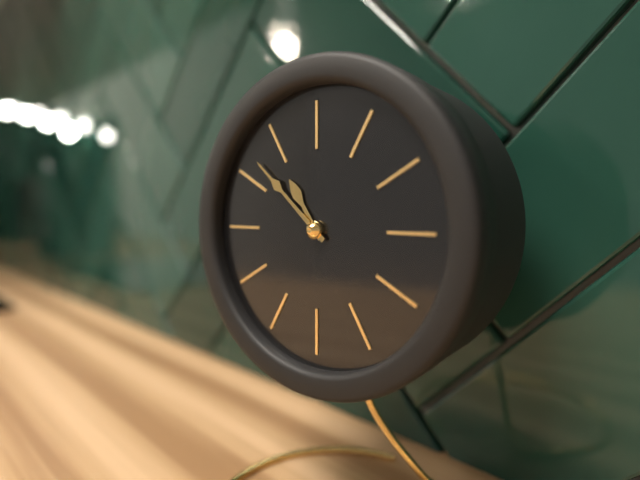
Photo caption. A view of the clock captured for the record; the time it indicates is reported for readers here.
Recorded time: 10:52
